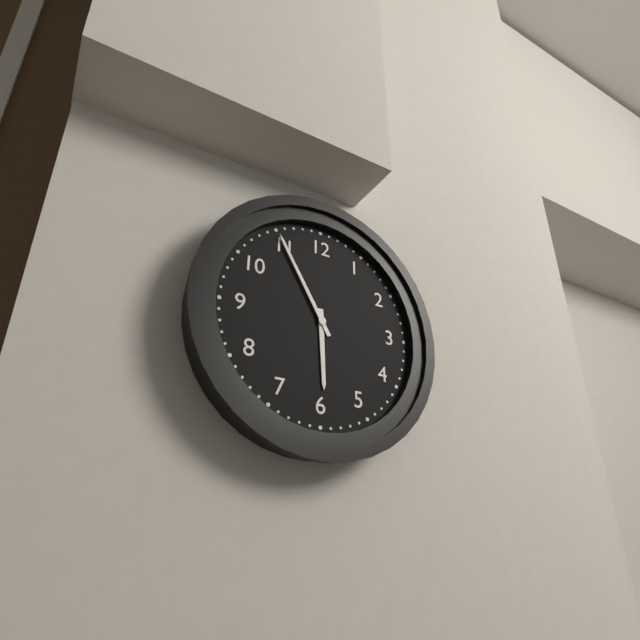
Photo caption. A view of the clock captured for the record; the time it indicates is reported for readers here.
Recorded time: 5:55
